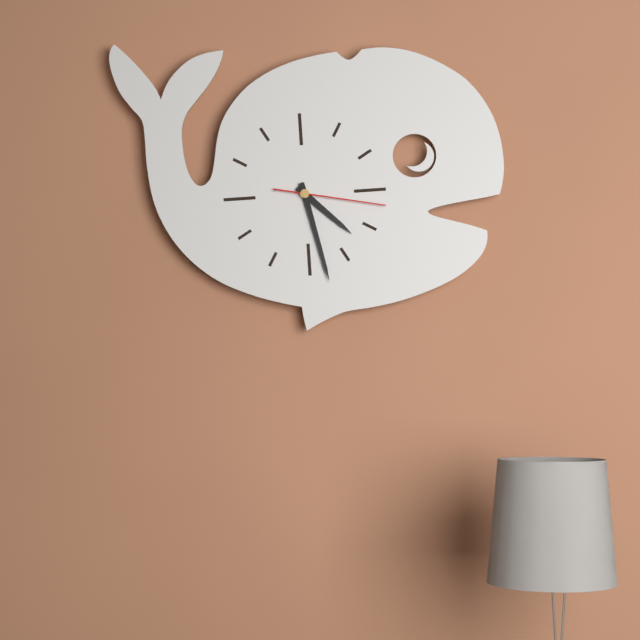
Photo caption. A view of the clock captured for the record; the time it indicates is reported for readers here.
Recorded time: 4:28:17
